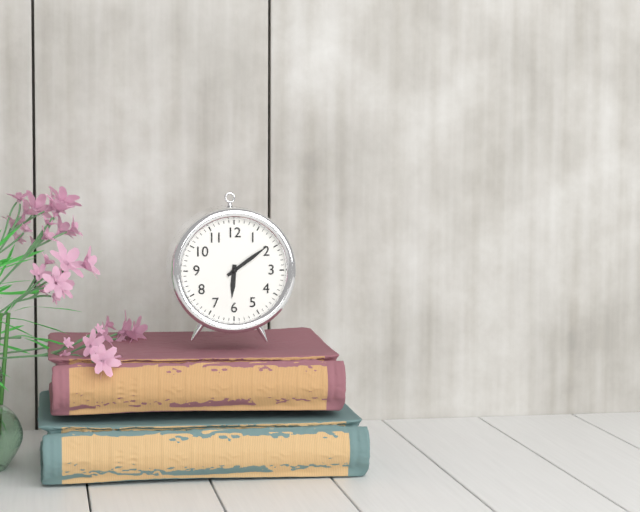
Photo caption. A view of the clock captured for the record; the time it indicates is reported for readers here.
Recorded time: 6:09
